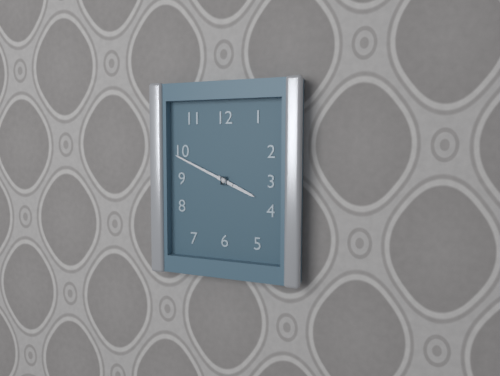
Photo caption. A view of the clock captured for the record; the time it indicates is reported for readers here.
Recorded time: 3:49
